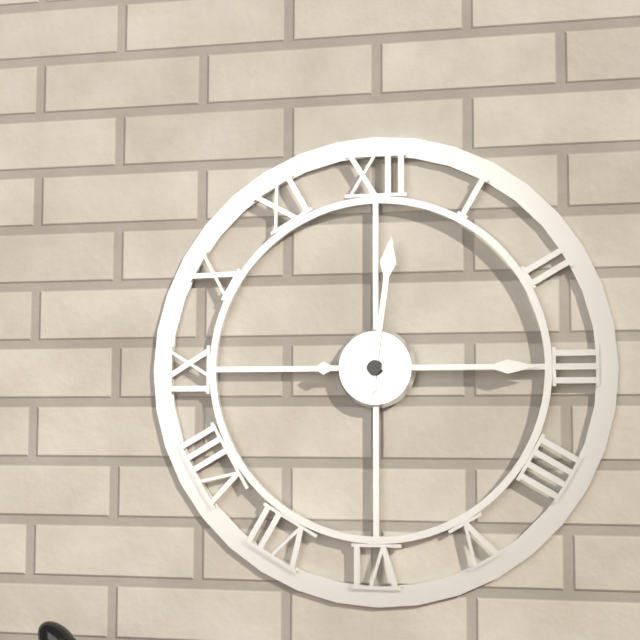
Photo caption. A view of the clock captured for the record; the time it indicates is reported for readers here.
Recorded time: 12:15
